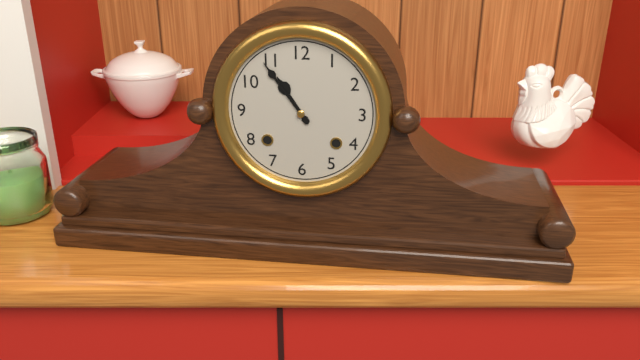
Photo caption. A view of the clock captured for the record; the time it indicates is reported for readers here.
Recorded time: 10:54
